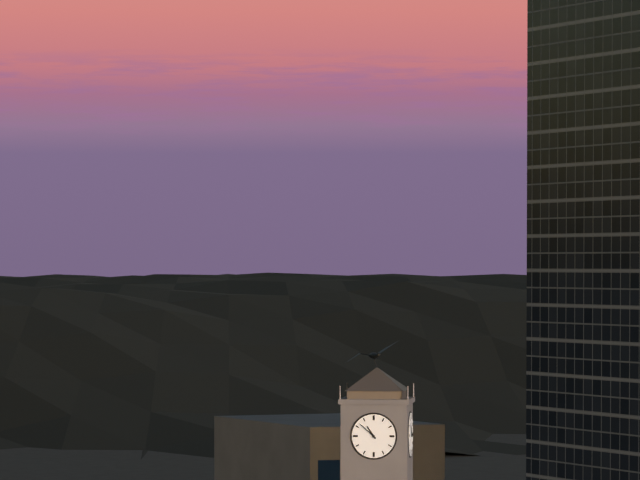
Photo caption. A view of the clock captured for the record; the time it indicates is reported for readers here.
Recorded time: 10:52
